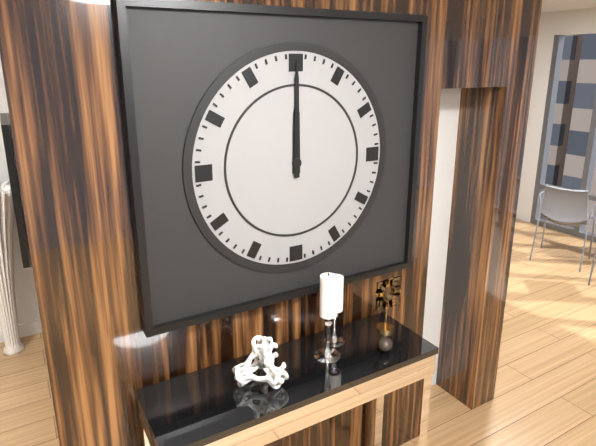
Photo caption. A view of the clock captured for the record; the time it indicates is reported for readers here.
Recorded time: 12:00
